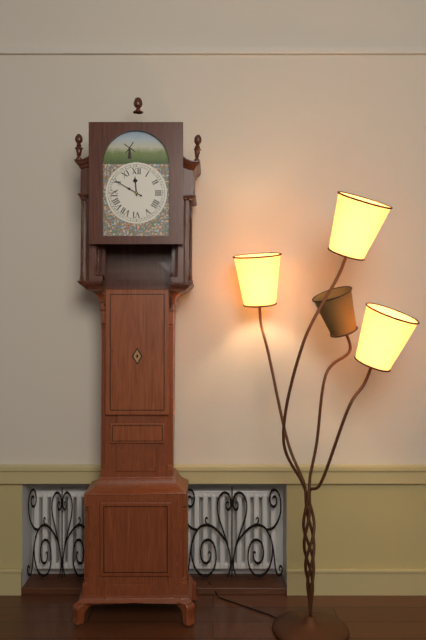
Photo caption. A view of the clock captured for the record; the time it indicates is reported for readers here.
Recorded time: 11:50
